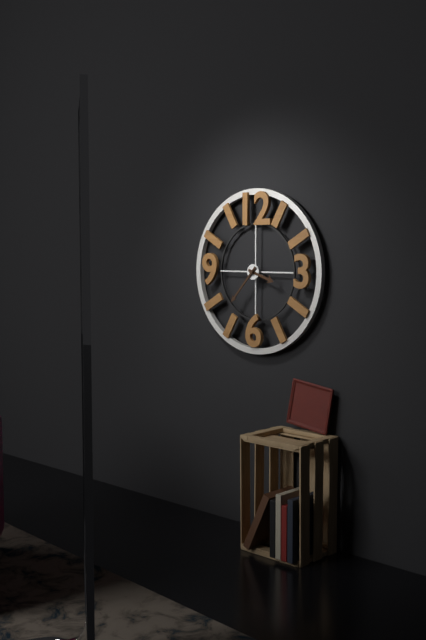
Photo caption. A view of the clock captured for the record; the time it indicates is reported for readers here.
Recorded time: 3:37
